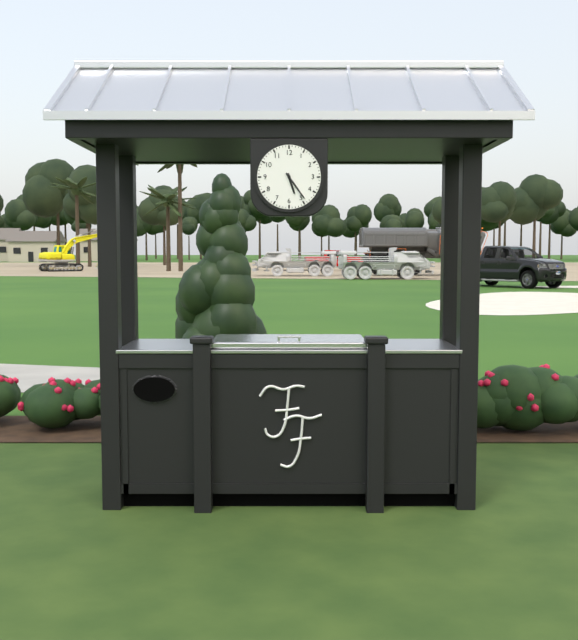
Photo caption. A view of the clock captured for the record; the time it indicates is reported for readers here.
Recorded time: 5:24
